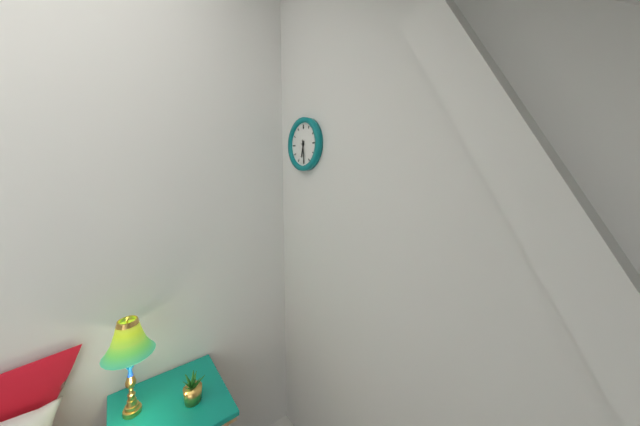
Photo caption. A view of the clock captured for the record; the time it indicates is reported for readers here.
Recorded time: 6:29
